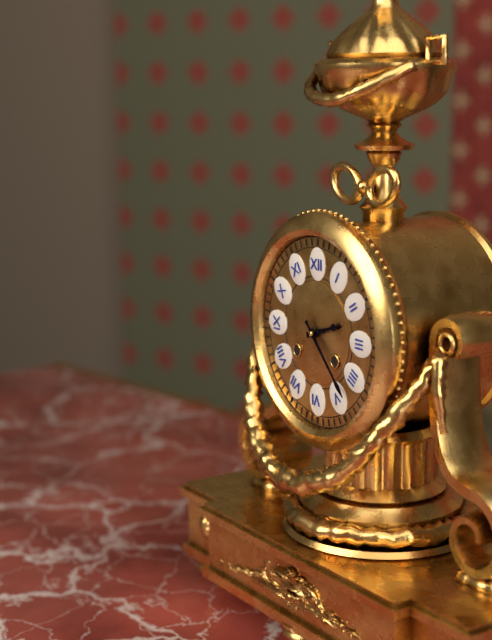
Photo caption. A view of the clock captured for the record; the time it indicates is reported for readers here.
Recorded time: 2:23
